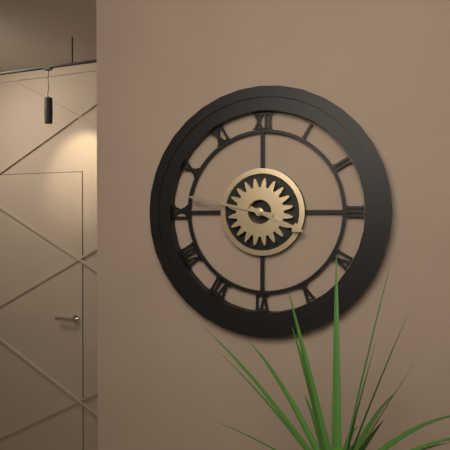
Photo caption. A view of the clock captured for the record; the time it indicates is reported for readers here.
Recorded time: 3:47
